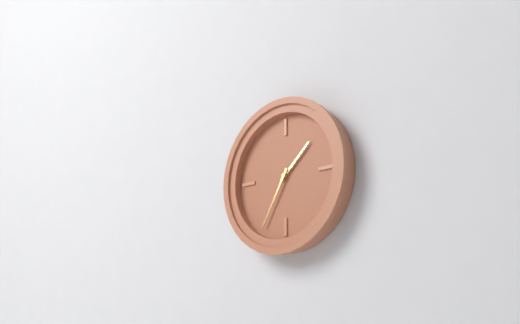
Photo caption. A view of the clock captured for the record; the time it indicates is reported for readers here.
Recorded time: 1:35
